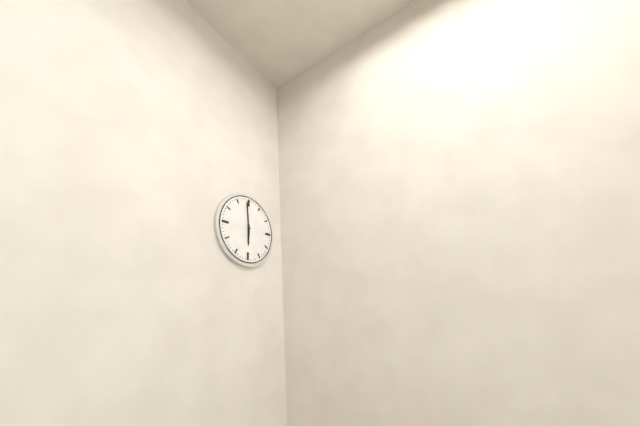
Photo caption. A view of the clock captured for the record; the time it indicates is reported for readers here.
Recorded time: 5:59
